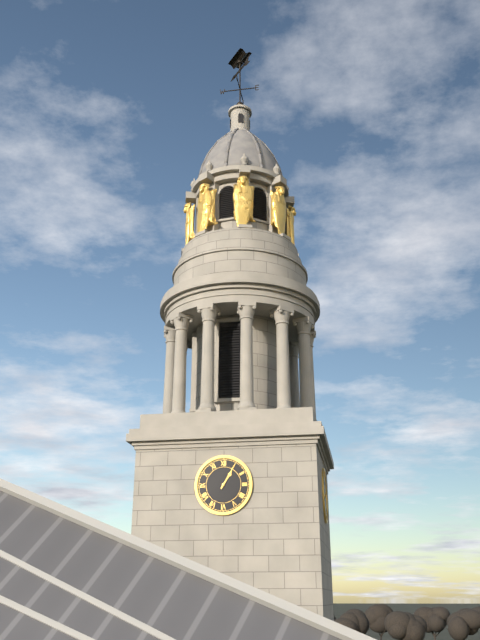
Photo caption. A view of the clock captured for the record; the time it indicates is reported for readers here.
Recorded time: 1:05
